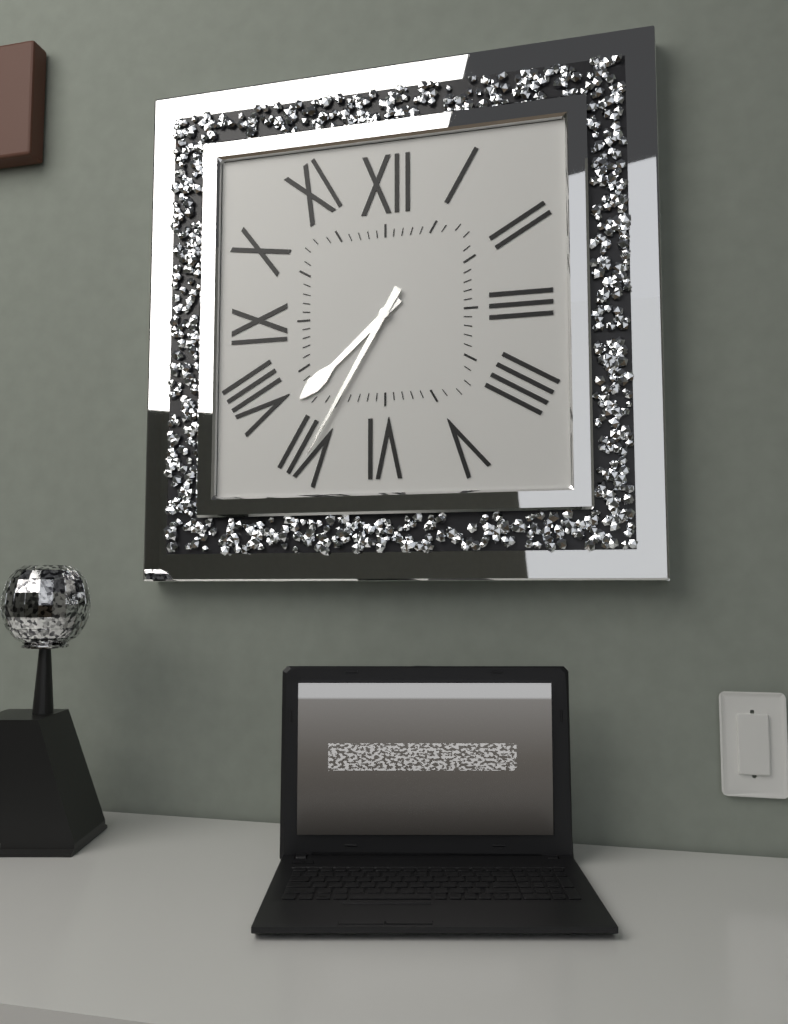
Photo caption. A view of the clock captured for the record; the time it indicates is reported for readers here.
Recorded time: 7:35
